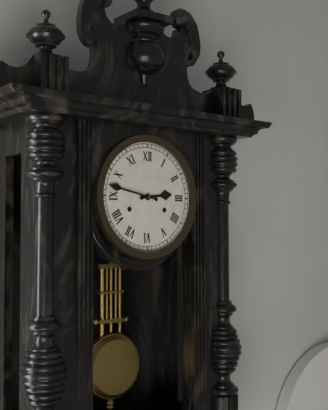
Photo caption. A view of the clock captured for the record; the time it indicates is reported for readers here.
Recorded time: 2:47
